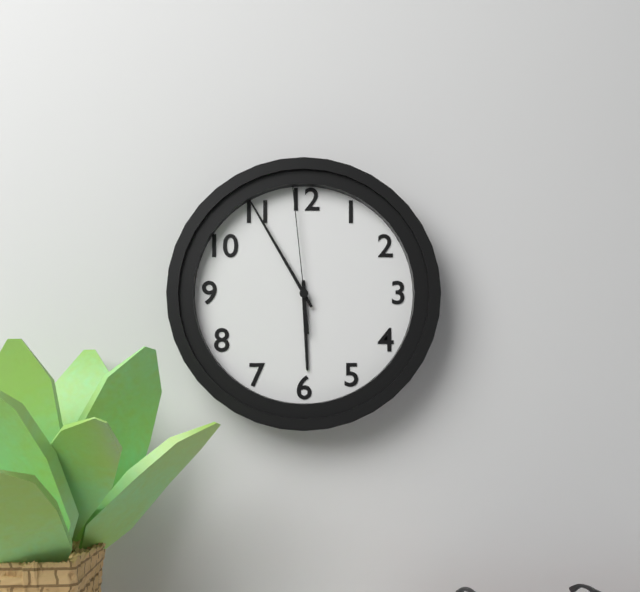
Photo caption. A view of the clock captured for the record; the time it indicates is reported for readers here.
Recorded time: 5:55:59
